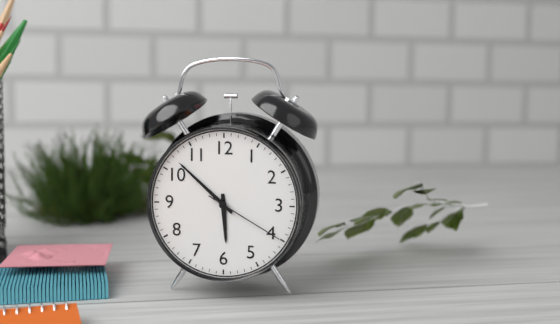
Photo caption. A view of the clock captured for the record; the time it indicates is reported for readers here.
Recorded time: 5:52:20
